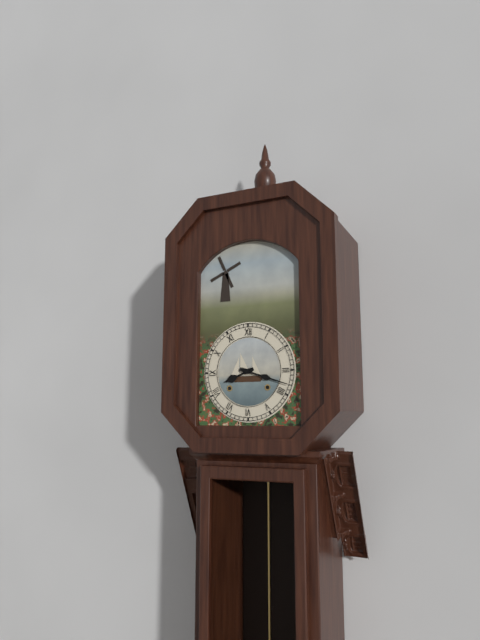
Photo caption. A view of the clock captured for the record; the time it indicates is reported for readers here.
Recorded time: 8:18
